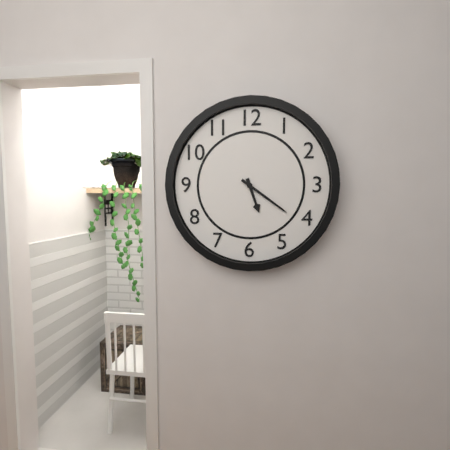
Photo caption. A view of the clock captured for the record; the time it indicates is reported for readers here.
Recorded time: 5:21
